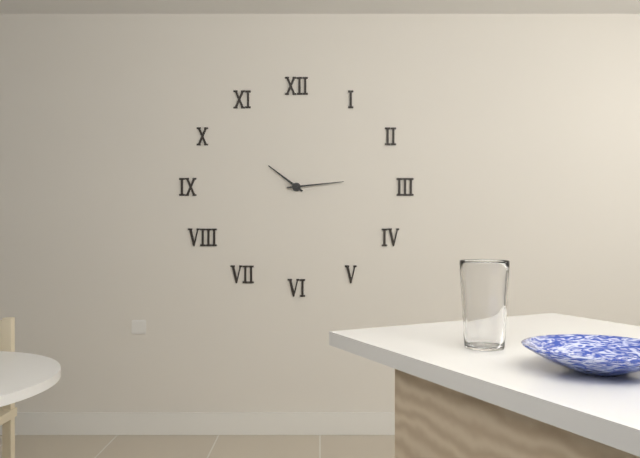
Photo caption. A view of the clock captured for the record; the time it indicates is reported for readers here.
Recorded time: 10:14
